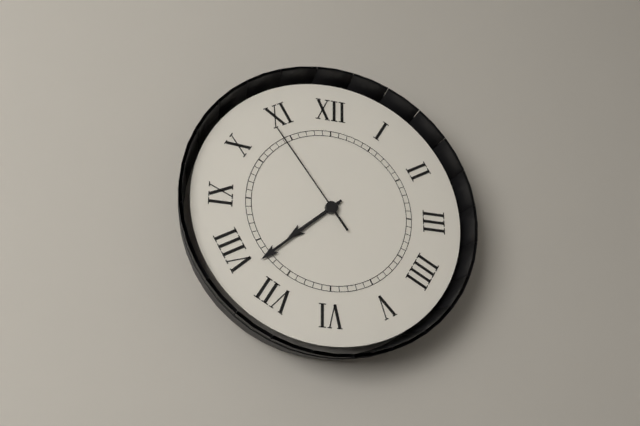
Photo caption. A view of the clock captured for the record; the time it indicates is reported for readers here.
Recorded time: 7:38:54
